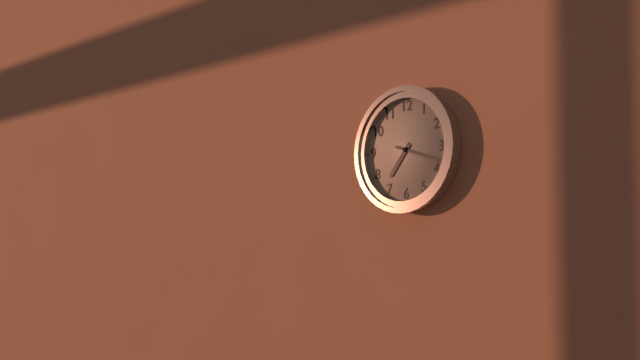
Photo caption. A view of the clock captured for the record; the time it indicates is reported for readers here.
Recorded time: 7:18
